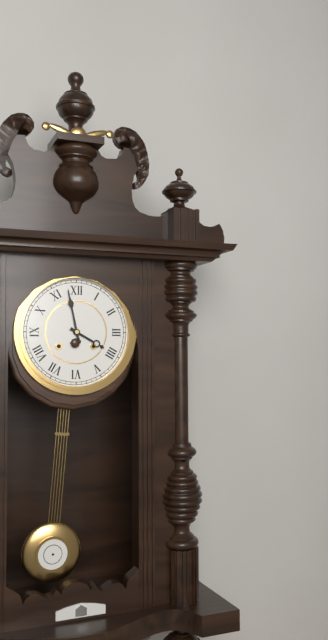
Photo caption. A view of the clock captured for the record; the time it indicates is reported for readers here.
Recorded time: 3:58
